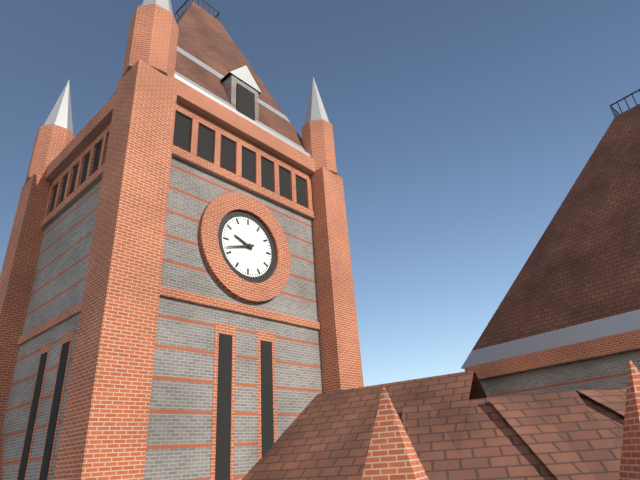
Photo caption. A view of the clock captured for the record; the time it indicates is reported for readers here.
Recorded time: 9:42
